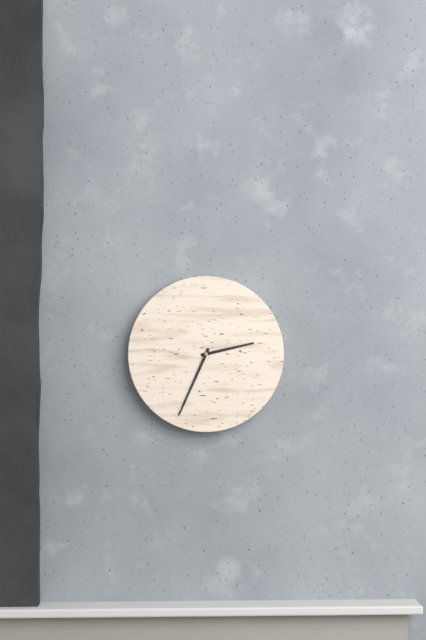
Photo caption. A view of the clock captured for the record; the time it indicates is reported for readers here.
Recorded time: 2:34
